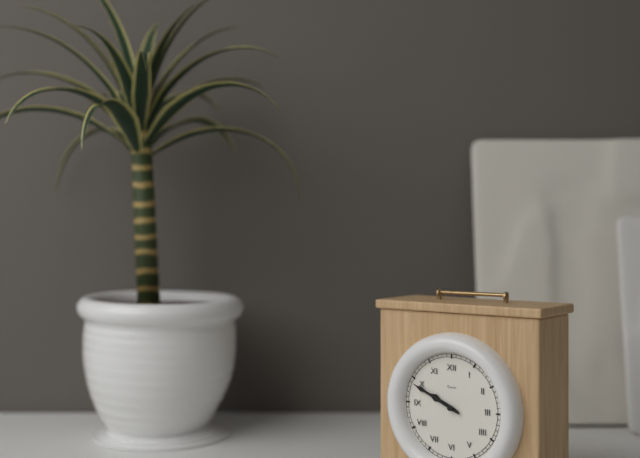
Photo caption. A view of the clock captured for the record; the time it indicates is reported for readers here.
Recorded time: 9:49
